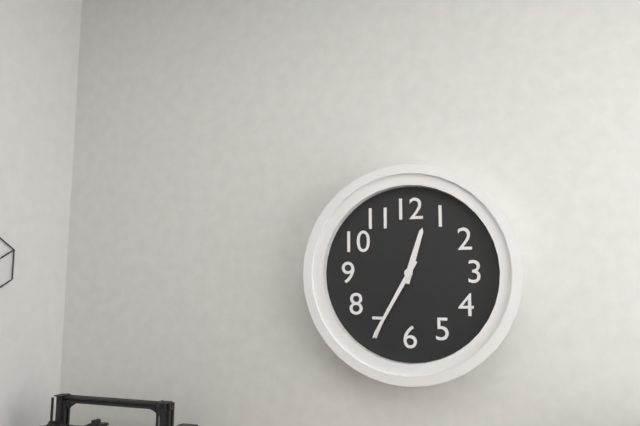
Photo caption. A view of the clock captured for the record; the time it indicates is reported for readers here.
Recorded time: 12:35
